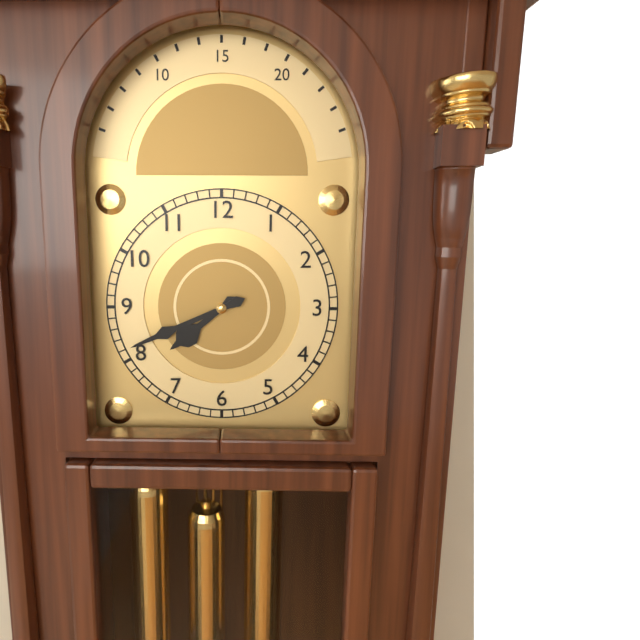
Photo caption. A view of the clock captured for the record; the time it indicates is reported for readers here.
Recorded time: 7:41
